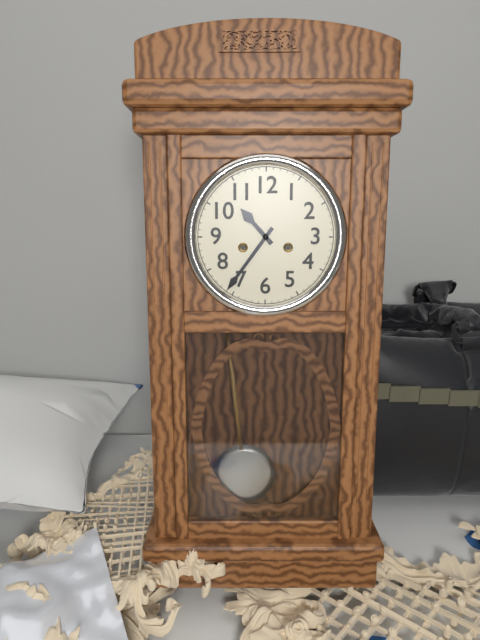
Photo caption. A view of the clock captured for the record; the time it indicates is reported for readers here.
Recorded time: 10:36
